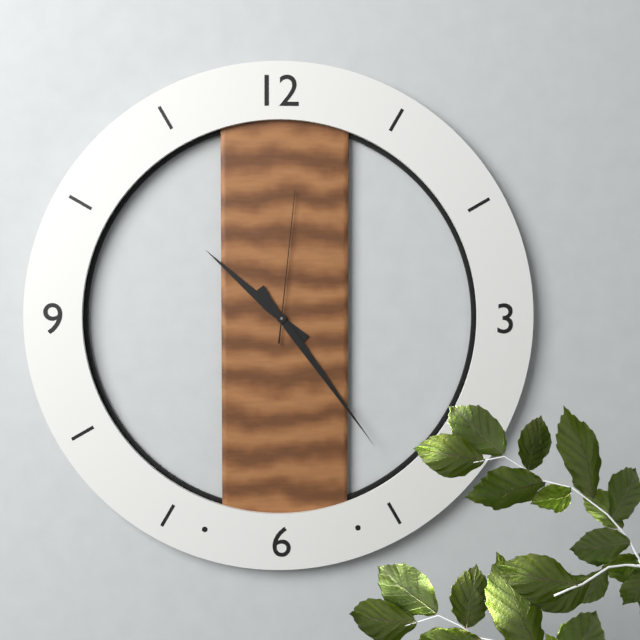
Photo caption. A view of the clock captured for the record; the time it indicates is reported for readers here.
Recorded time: 10:24:01
